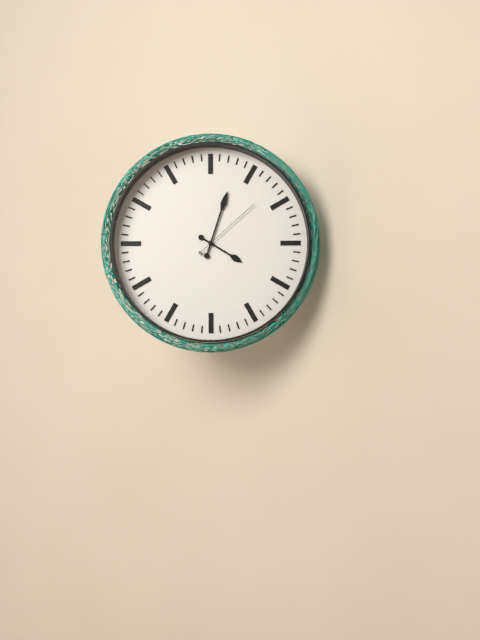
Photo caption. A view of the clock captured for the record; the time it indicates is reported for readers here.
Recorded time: 4:03:08
